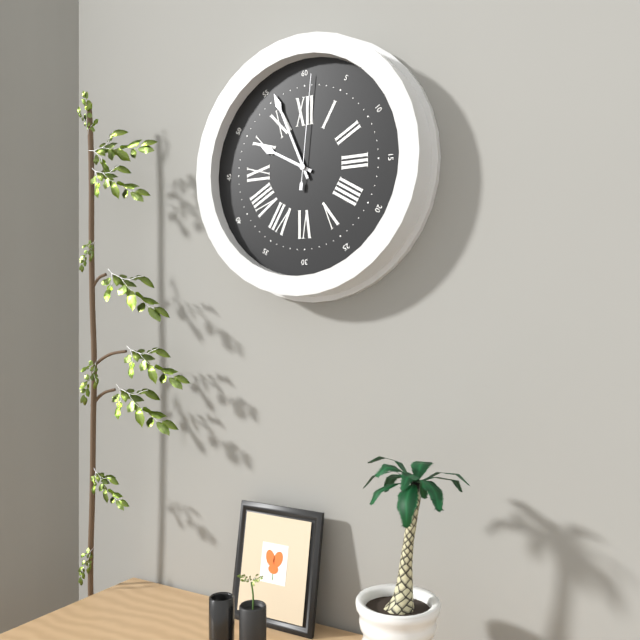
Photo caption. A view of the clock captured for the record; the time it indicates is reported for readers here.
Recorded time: 9:56:01
